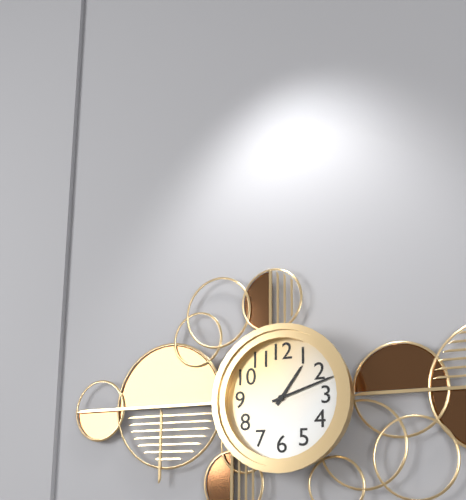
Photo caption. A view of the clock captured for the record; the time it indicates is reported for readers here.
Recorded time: 1:12
